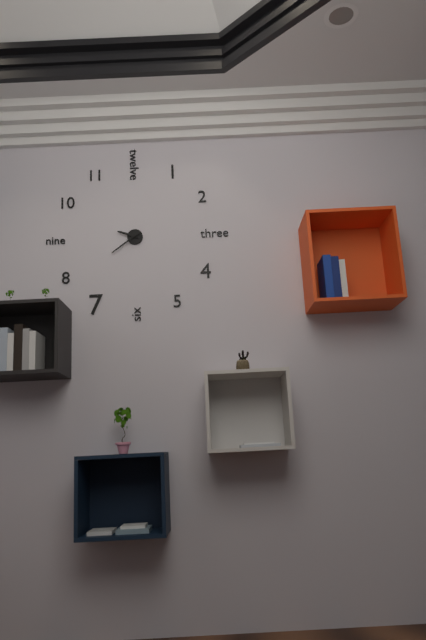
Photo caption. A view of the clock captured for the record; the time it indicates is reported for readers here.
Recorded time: 9:39
